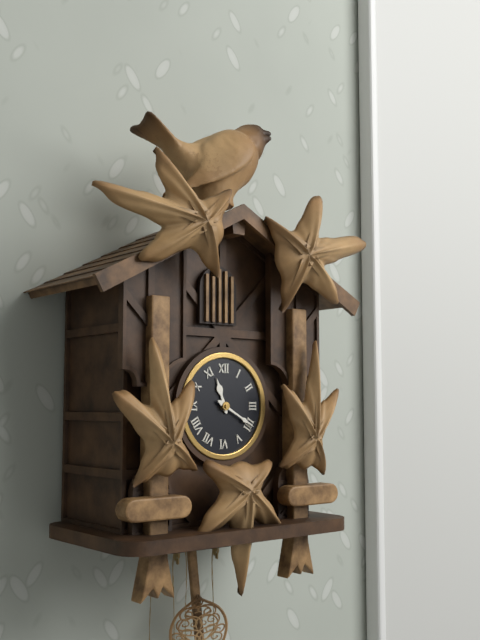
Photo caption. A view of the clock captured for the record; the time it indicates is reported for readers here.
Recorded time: 11:20
